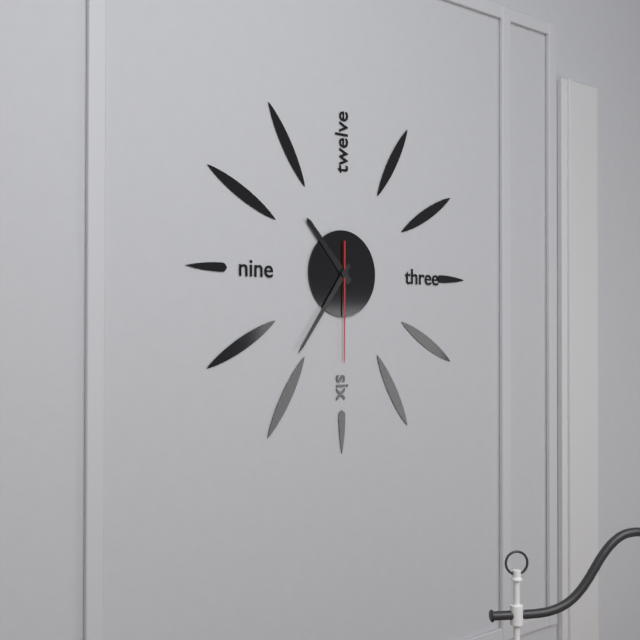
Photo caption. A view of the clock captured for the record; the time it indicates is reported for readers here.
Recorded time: 10:36:30
